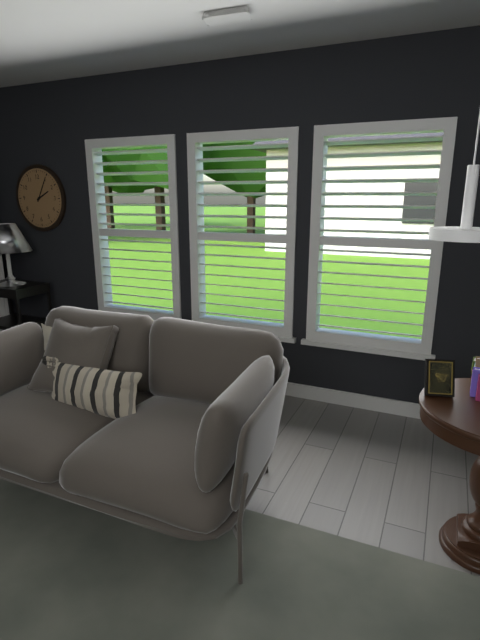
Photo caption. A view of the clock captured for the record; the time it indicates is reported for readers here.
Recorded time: 2:05
